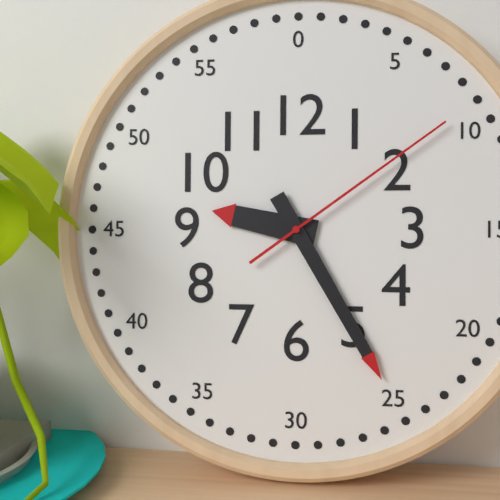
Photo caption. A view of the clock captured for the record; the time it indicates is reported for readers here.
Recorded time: 9:25:09
